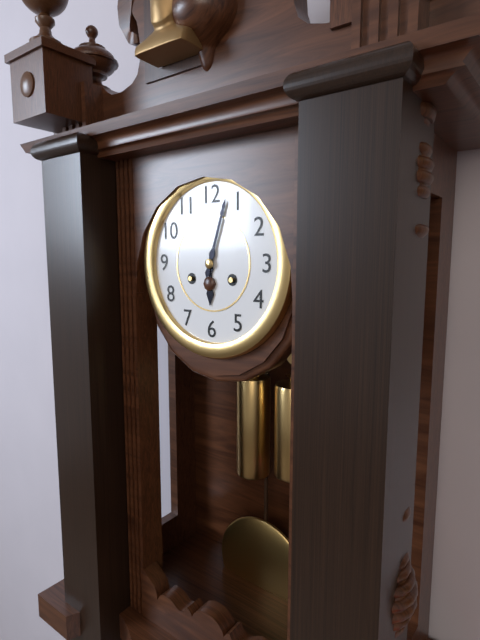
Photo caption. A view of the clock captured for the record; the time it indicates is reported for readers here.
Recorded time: 6:03
